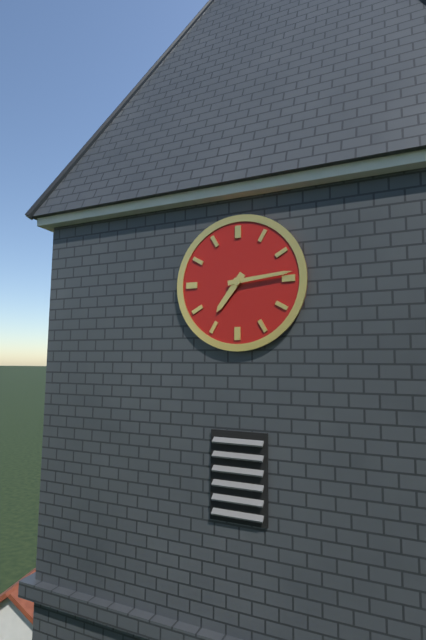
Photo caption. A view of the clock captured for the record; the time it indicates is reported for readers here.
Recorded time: 7:14
